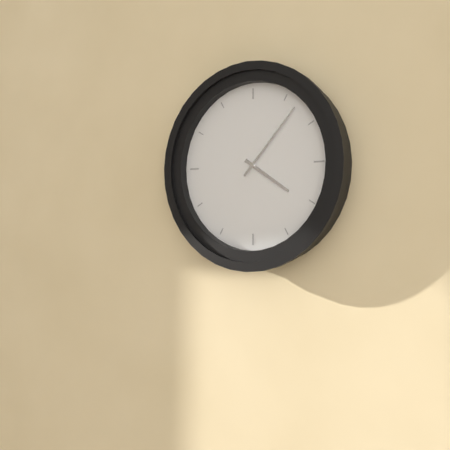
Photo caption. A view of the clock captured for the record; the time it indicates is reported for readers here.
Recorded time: 4:07
